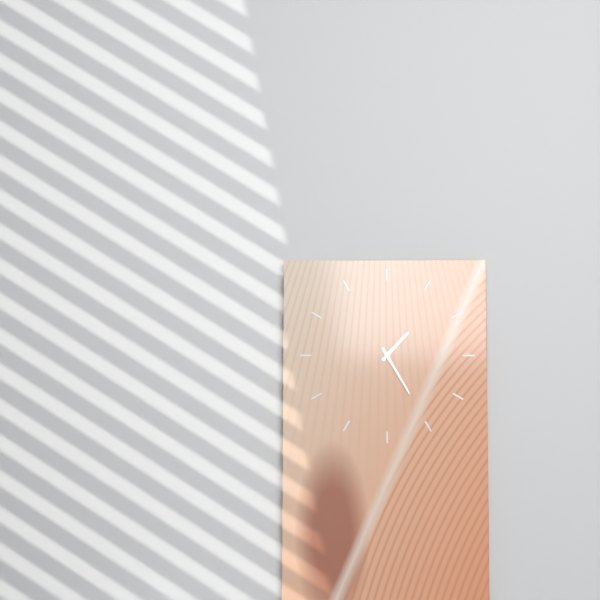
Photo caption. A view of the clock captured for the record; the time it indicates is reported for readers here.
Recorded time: 1:25
